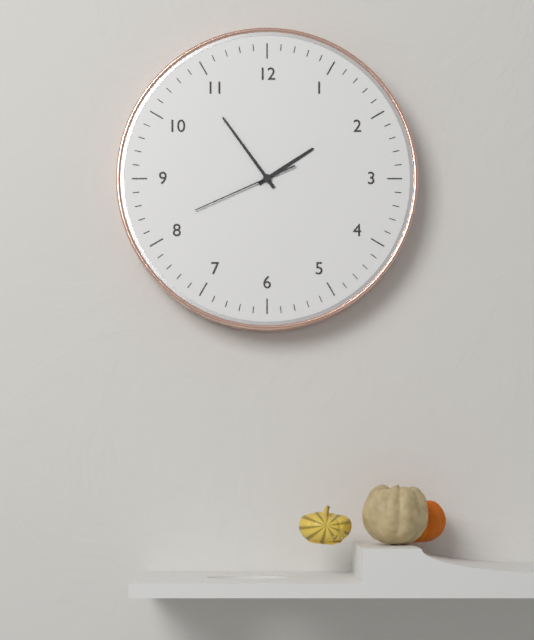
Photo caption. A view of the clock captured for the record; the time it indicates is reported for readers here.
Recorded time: 1:54:41
